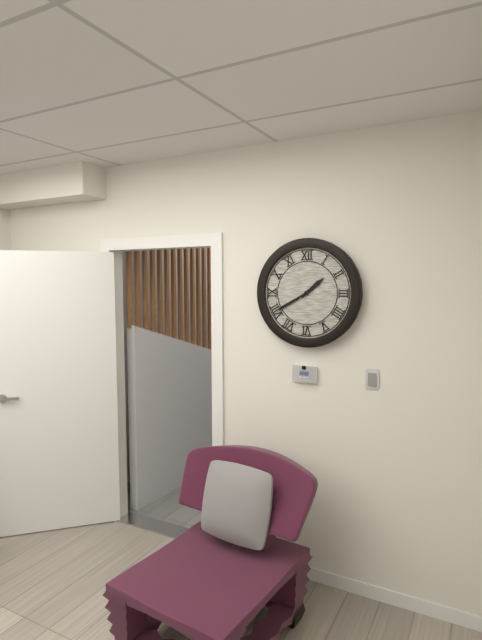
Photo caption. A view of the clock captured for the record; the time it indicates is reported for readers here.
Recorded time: 1:40
